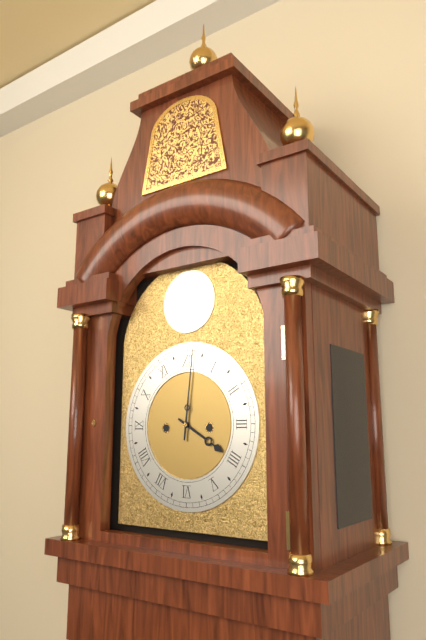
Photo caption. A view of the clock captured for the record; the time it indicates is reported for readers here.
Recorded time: 4:01
